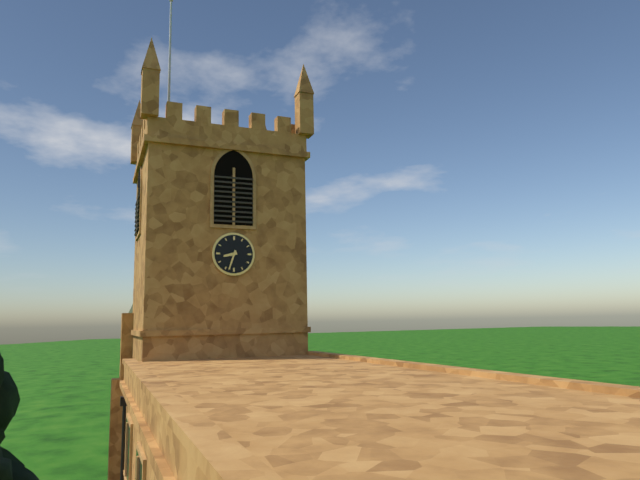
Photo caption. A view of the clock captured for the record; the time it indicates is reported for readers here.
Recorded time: 8:33
